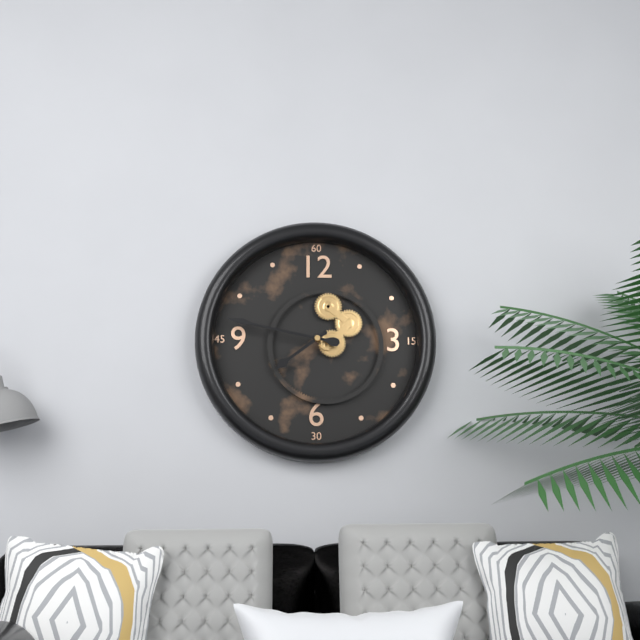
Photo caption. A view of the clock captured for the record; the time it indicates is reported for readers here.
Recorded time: 7:47
